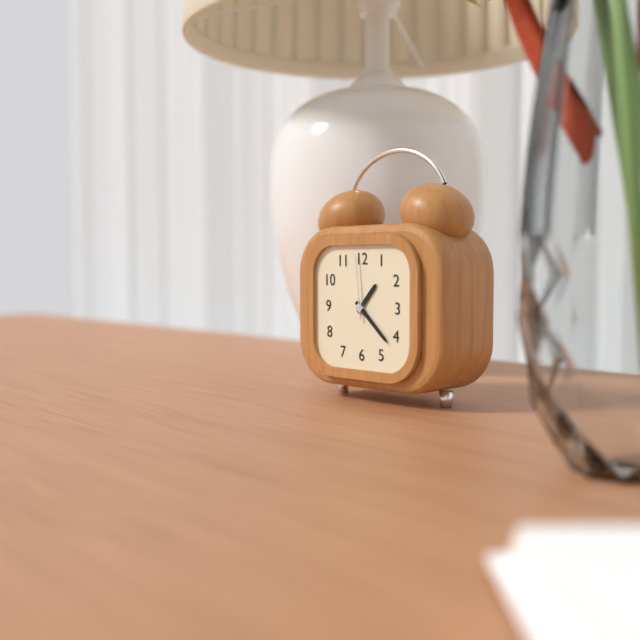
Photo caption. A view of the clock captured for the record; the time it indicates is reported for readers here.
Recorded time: 1:22:59
